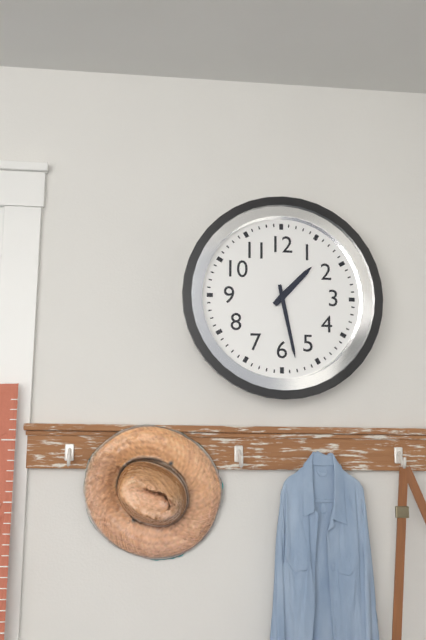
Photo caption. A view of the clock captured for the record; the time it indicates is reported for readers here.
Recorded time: 1:28
